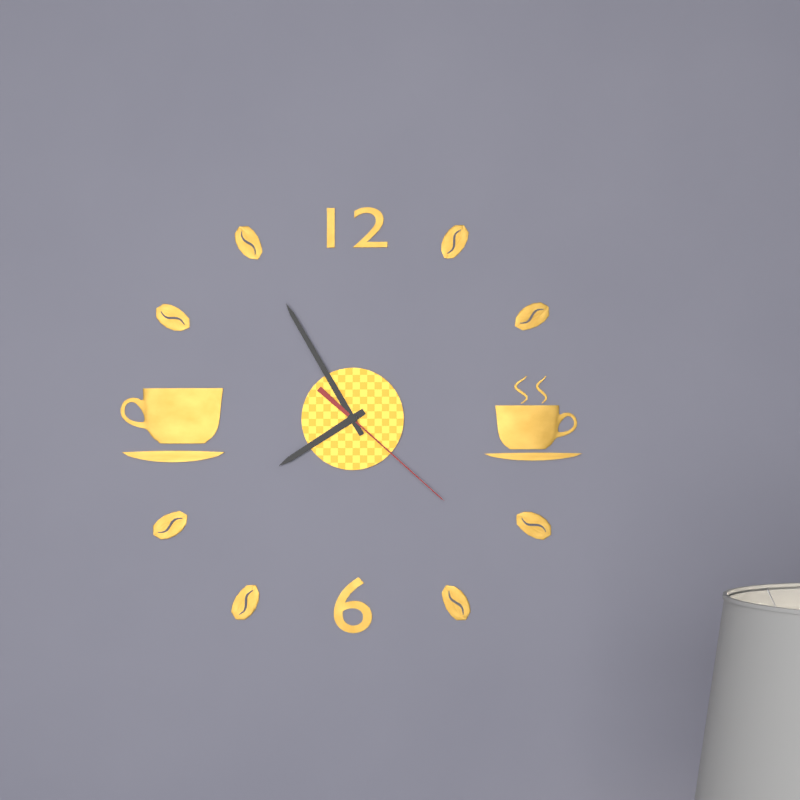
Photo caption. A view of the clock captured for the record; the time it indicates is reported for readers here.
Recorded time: 7:55:22
